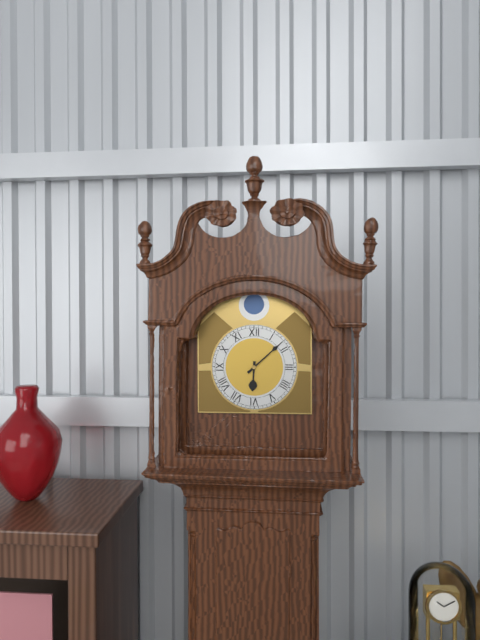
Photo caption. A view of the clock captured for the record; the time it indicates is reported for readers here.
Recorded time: 6:08
